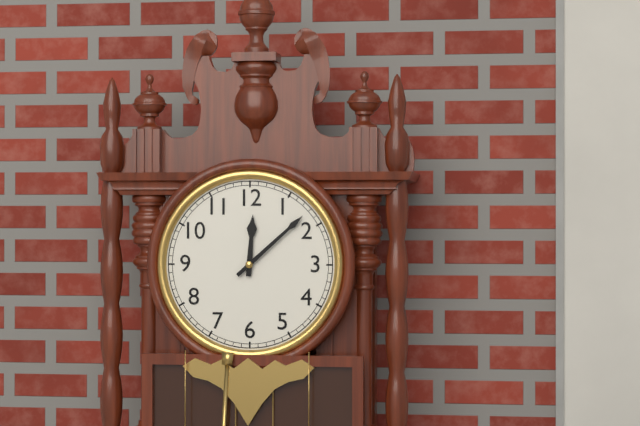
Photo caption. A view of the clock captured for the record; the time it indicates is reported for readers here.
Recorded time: 12:08
